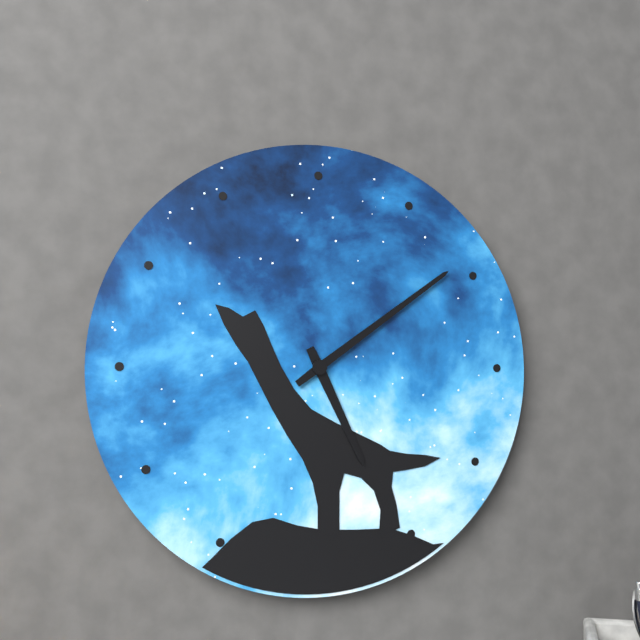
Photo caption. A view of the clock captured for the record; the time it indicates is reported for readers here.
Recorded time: 5:09
